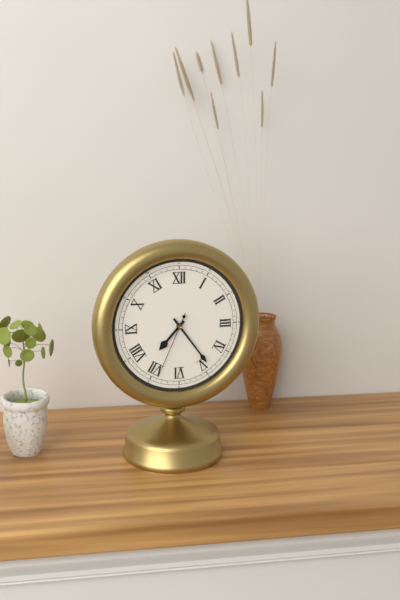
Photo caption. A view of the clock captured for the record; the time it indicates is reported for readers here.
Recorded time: 7:24:34
